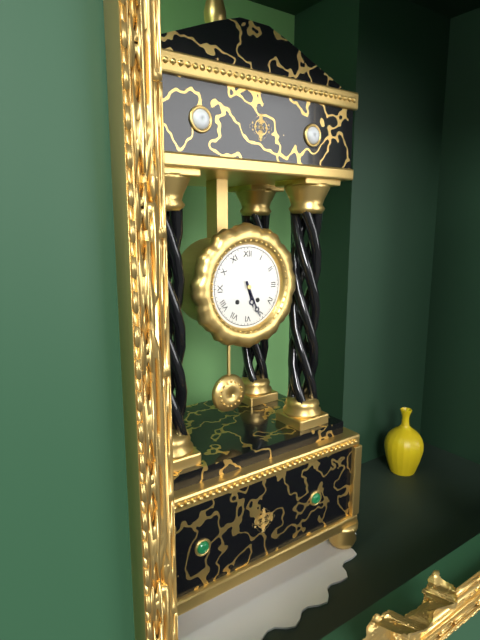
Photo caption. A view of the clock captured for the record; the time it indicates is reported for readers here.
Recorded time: 5:26
